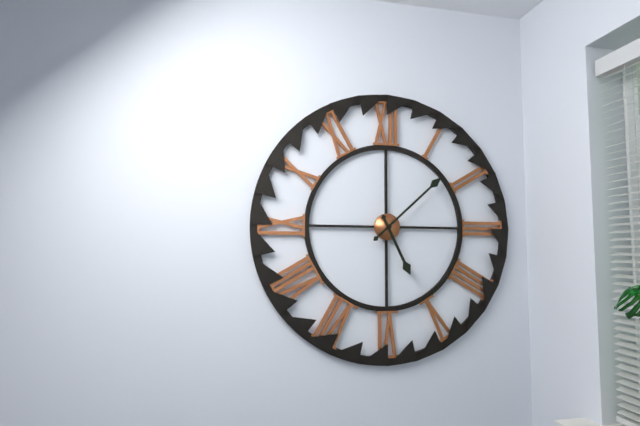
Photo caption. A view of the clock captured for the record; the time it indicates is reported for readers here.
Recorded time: 5:08
